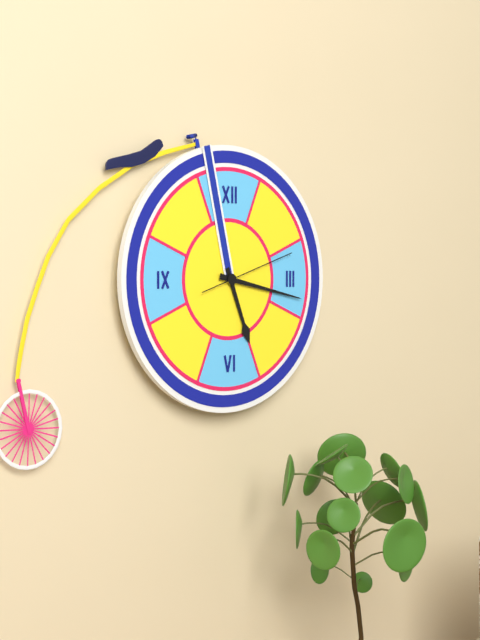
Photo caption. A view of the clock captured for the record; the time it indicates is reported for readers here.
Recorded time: 5:17:12
